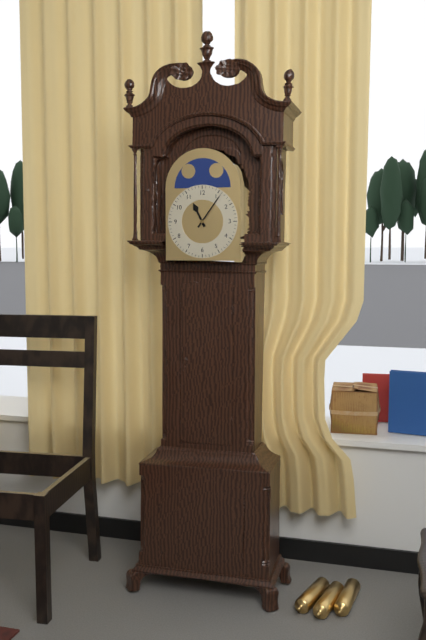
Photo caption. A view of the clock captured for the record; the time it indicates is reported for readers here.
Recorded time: 11:06
